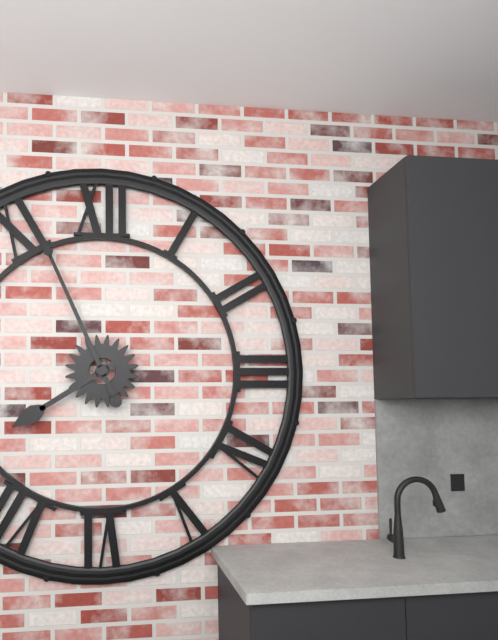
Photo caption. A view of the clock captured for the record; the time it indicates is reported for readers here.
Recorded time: 7:56
